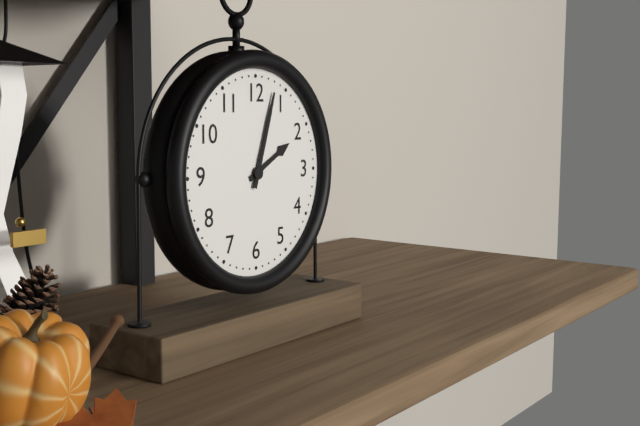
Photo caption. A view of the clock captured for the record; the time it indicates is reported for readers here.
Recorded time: 2:03
